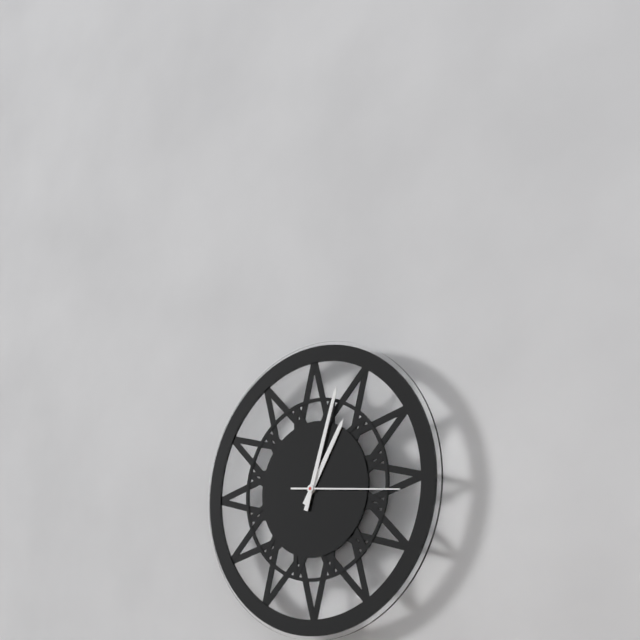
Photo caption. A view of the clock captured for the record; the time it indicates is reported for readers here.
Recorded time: 1:03:16
